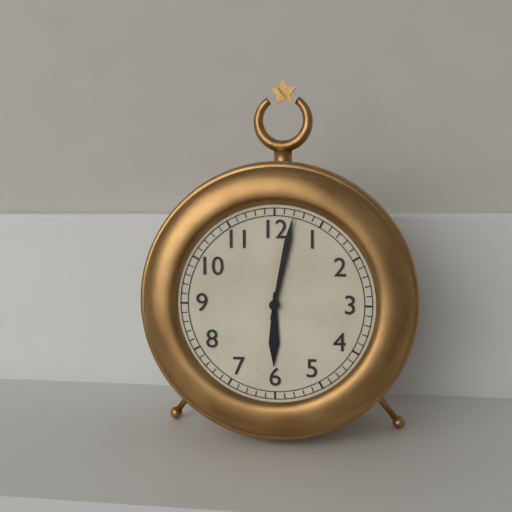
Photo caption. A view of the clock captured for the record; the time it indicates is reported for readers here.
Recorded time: 6:02
